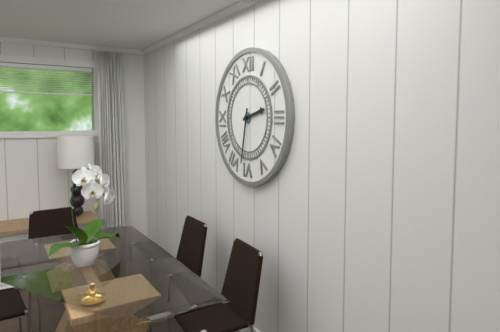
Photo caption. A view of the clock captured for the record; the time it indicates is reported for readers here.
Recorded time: 2:32
